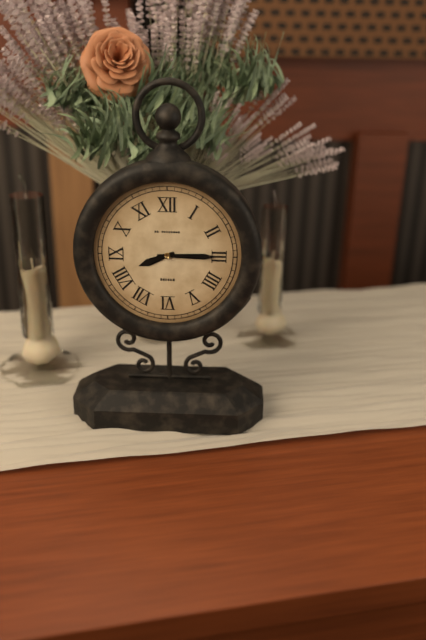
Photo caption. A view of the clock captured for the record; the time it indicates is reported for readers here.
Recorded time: 8:15
